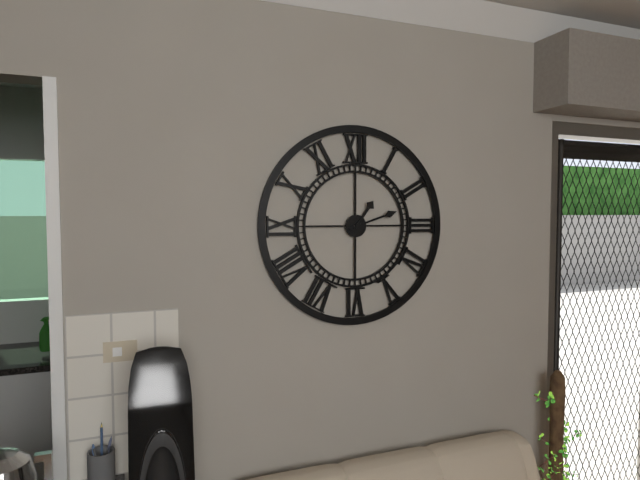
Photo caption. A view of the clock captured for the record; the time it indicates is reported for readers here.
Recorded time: 1:12
